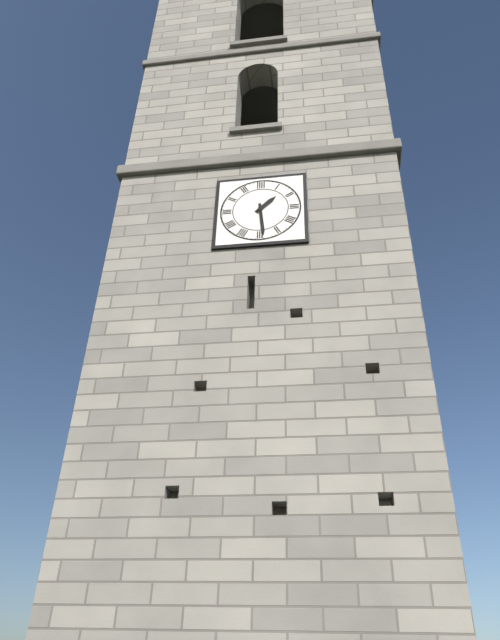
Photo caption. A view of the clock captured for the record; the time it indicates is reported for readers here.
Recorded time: 1:29
